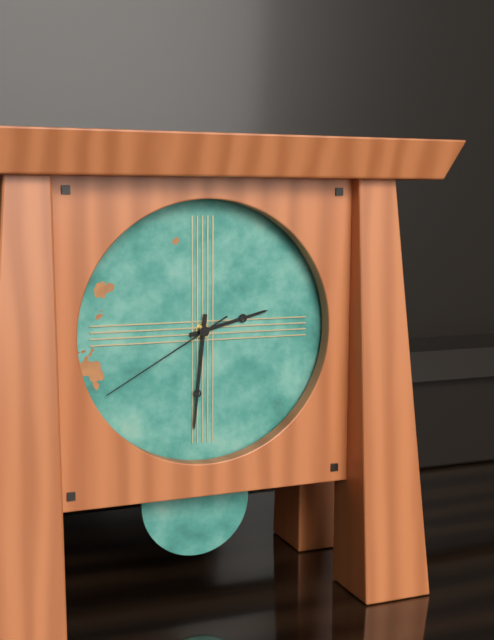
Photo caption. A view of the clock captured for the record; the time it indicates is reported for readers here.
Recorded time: 2:31:40
